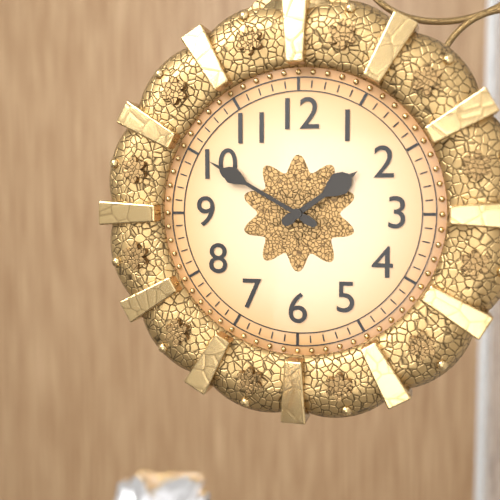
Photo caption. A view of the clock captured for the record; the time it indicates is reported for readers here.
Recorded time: 1:50
